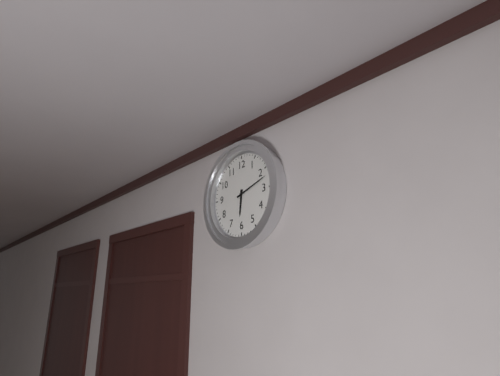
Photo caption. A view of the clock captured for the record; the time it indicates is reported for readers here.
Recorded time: 6:12
